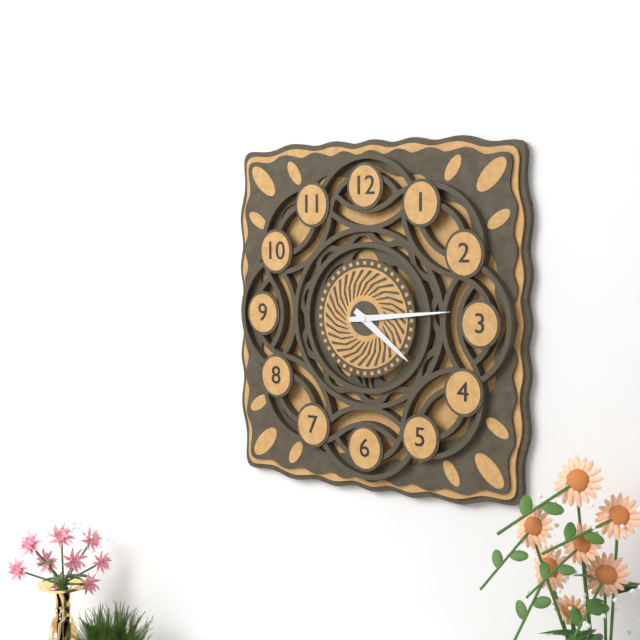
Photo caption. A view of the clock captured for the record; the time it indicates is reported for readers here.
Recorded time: 4:14
